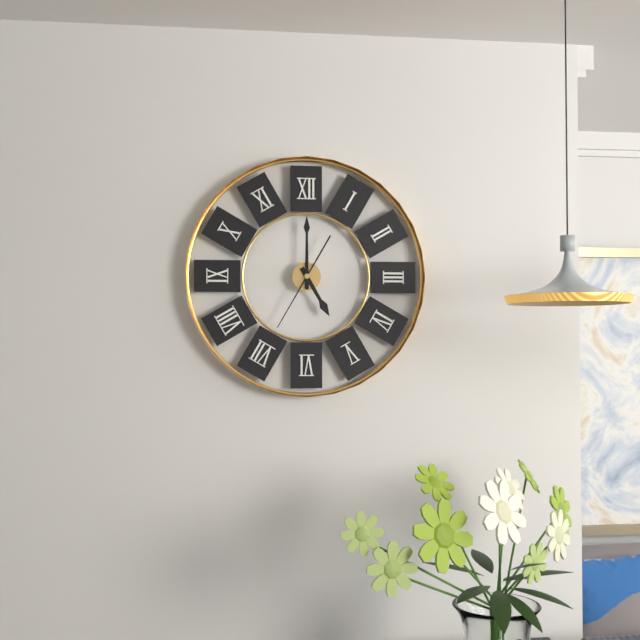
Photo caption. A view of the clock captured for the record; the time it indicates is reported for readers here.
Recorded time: 5:00:35
